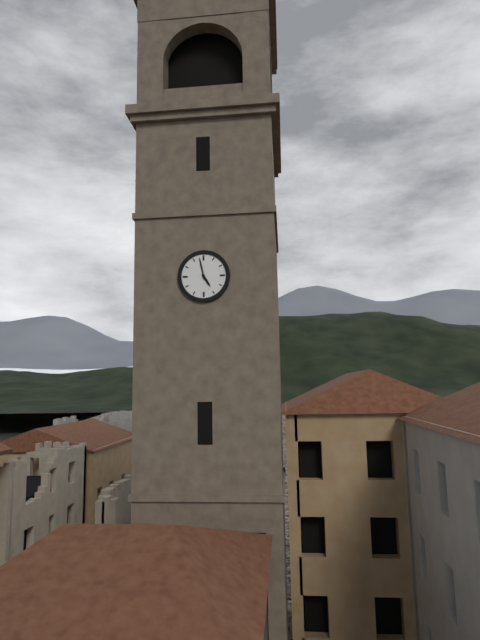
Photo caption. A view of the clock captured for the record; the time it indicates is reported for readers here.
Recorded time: 4:58
